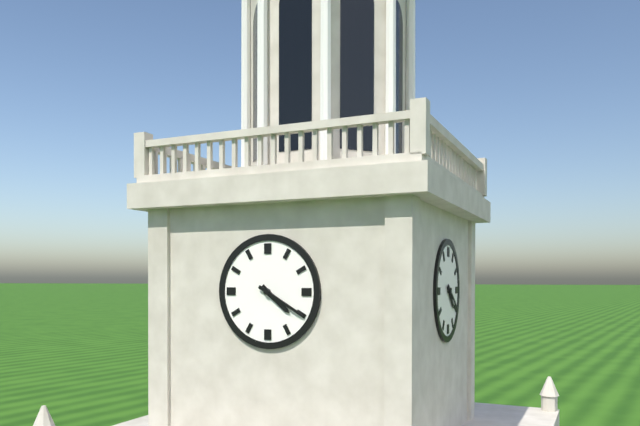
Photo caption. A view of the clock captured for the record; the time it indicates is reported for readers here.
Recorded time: 4:20
